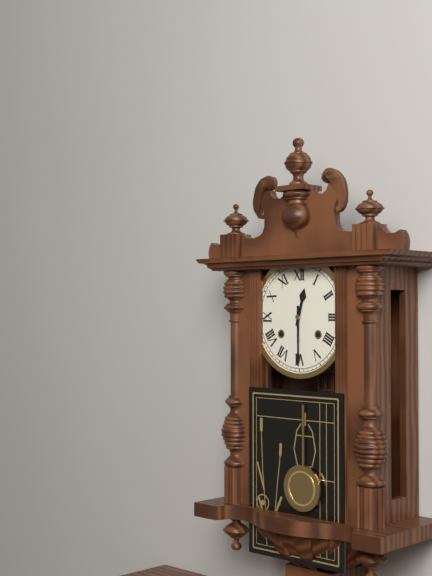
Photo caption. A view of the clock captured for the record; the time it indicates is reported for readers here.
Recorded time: 12:30
